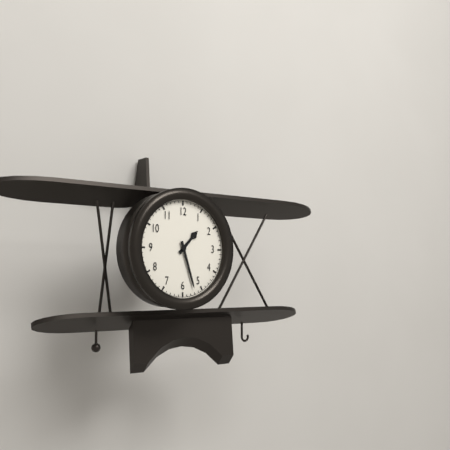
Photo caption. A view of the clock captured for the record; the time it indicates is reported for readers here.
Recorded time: 1:27
